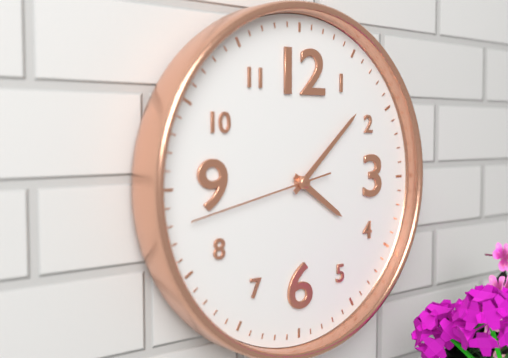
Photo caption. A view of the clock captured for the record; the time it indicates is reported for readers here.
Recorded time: 4:08:43
